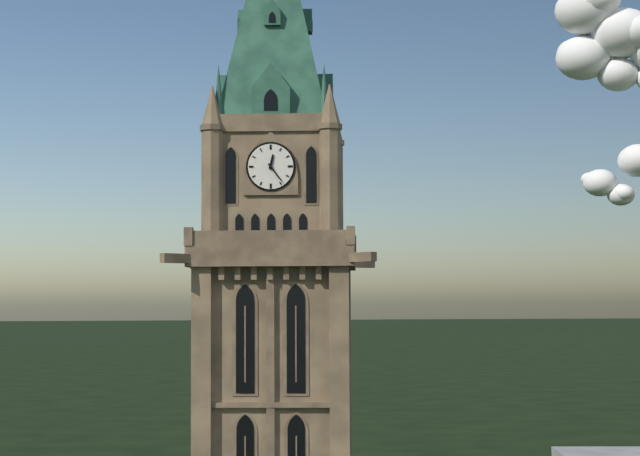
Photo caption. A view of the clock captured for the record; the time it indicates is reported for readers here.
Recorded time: 12:24
